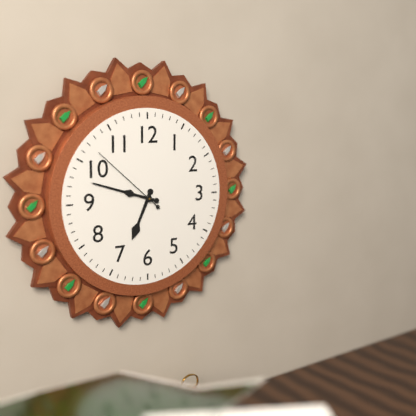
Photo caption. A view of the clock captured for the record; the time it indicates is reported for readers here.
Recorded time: 6:48:52
